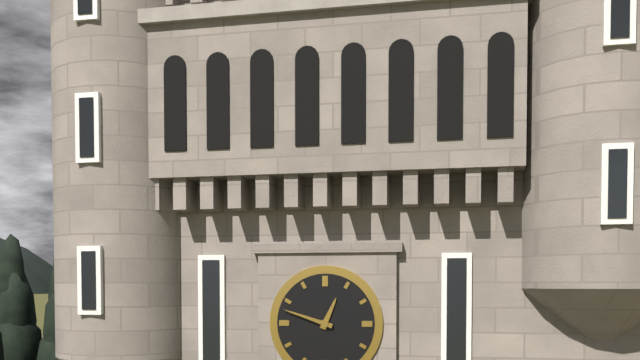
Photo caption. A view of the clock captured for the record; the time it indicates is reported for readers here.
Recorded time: 12:48
